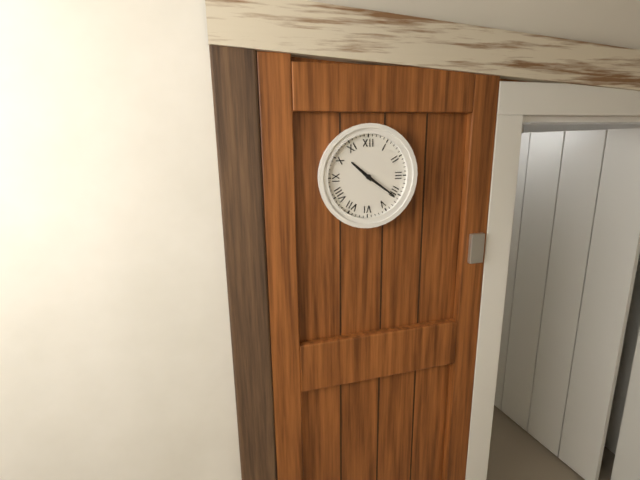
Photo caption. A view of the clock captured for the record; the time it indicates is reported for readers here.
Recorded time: 10:21
